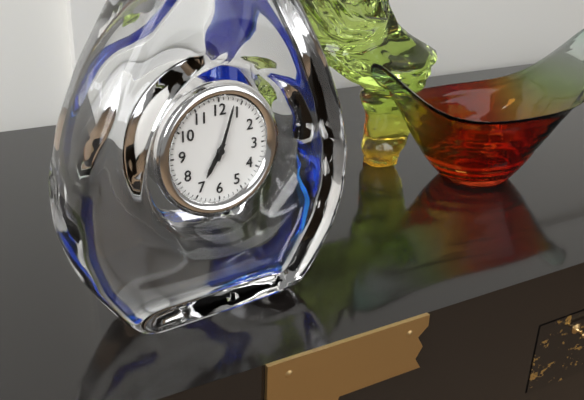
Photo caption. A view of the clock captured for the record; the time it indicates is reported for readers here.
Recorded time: 7:03
